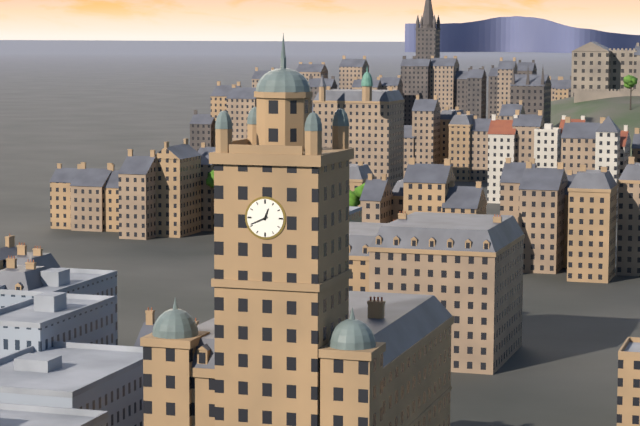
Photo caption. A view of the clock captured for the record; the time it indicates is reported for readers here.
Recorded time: 12:41
